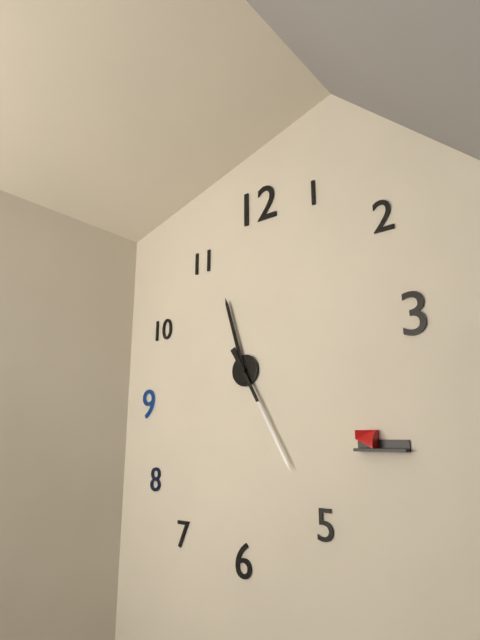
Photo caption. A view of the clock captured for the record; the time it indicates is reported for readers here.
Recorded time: 11:25
